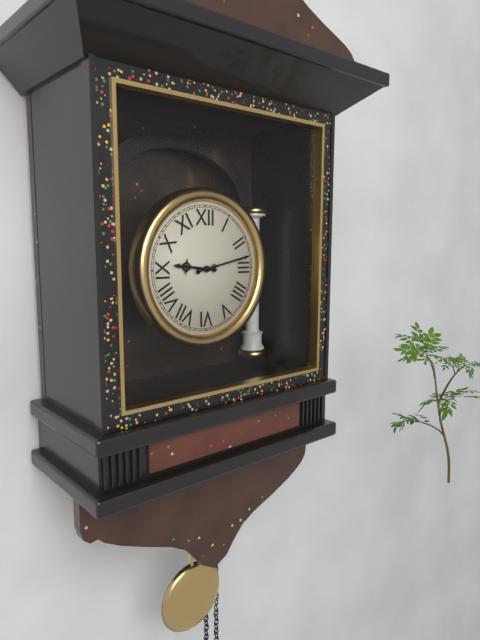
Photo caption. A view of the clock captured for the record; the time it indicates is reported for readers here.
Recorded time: 9:13
